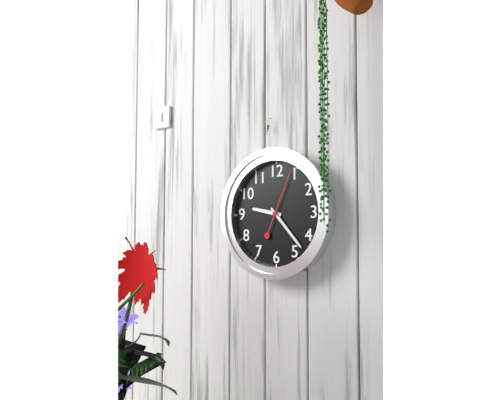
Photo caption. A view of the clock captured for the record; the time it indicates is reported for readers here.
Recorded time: 9:23:04
